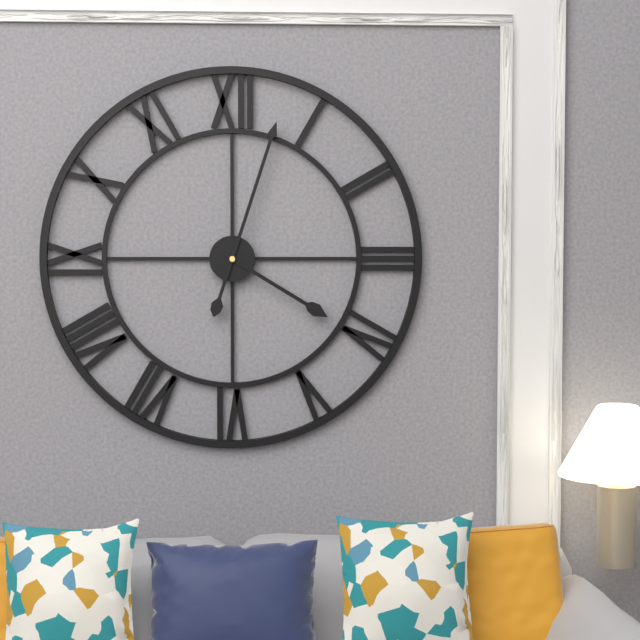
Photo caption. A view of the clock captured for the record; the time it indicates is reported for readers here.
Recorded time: 4:03
